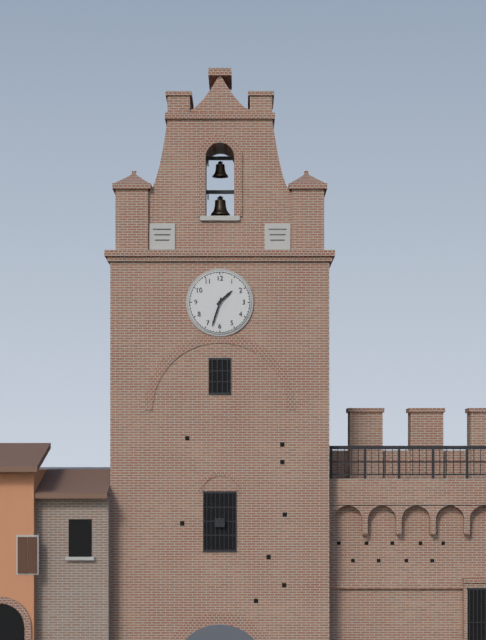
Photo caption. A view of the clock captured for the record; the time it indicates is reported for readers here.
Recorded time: 1:33
